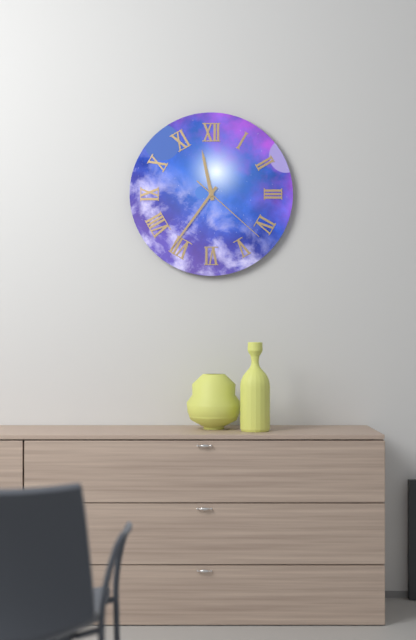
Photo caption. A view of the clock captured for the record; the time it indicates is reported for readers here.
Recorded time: 11:36:22
